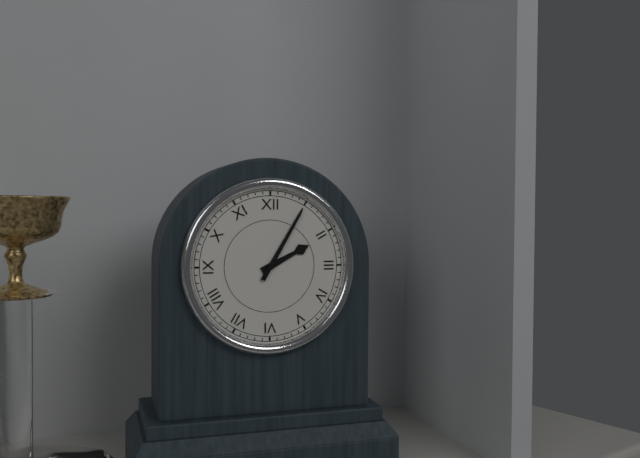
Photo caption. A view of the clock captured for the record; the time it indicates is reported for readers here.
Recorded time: 2:05
